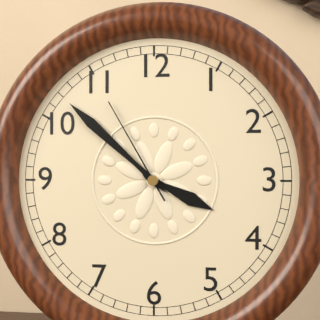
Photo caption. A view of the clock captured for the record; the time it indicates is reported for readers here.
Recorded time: 3:52:55
